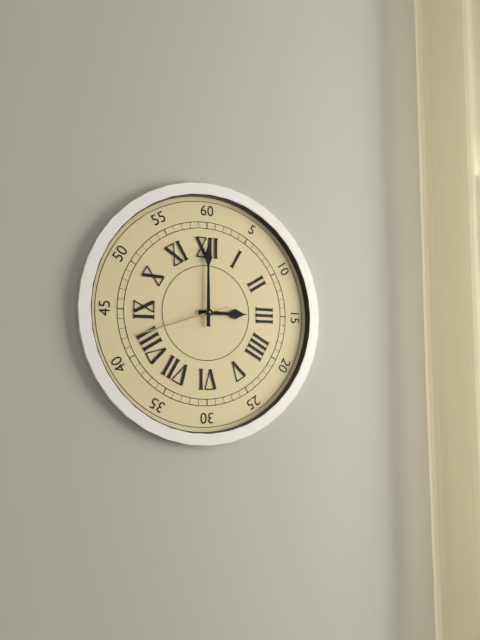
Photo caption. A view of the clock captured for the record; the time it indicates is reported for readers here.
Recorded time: 3:00:42
